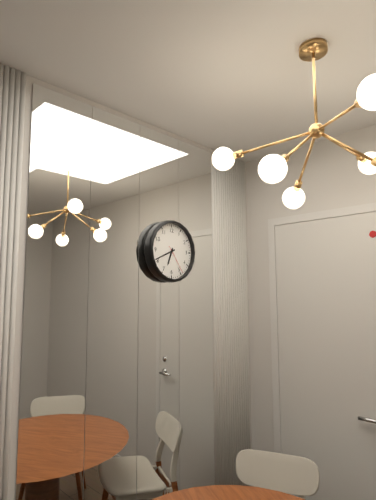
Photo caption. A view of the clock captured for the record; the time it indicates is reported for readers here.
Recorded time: 6:41
